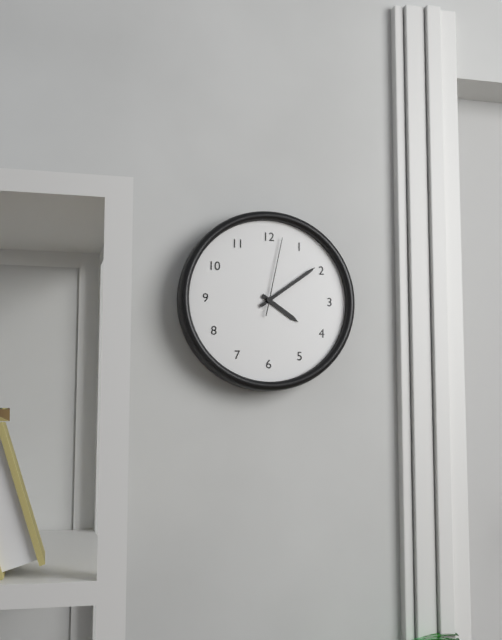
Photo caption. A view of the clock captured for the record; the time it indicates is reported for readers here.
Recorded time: 4:09:02
